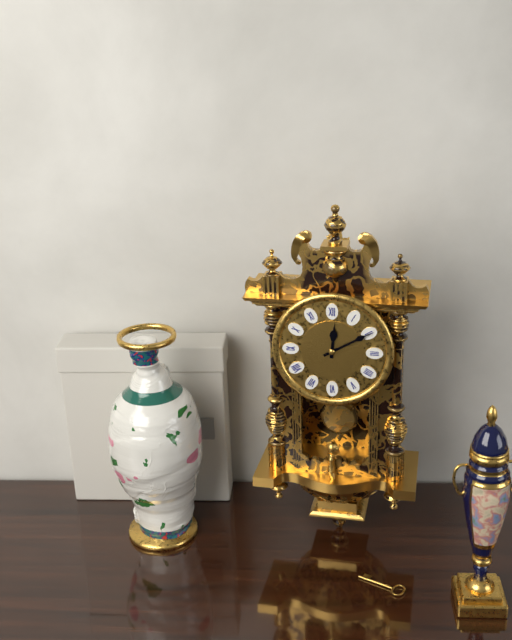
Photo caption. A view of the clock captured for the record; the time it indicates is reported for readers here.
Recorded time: 12:10
